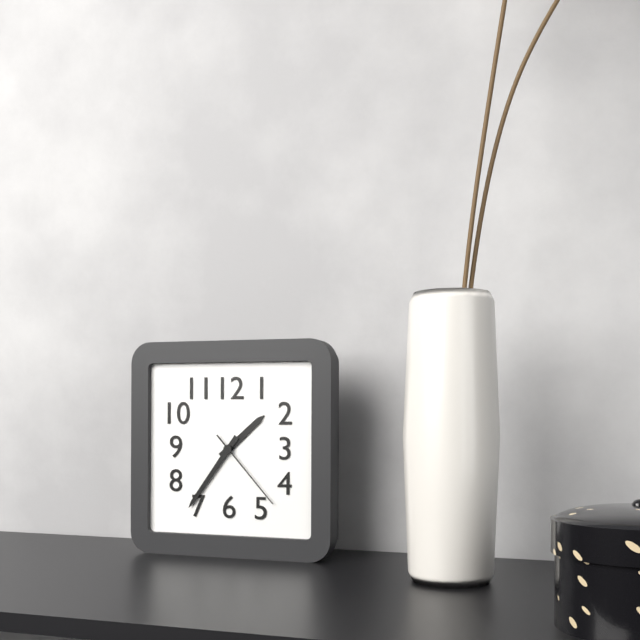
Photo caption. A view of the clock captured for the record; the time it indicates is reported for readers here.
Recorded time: 1:36:23
